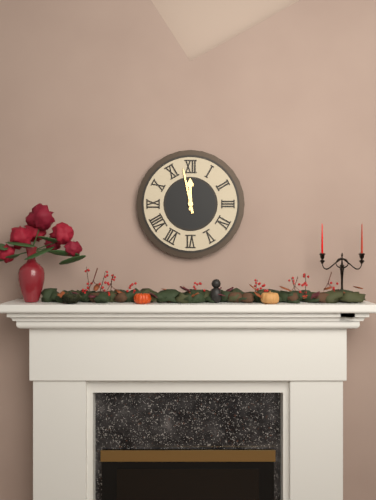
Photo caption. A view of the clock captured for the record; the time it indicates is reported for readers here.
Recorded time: 11:58
